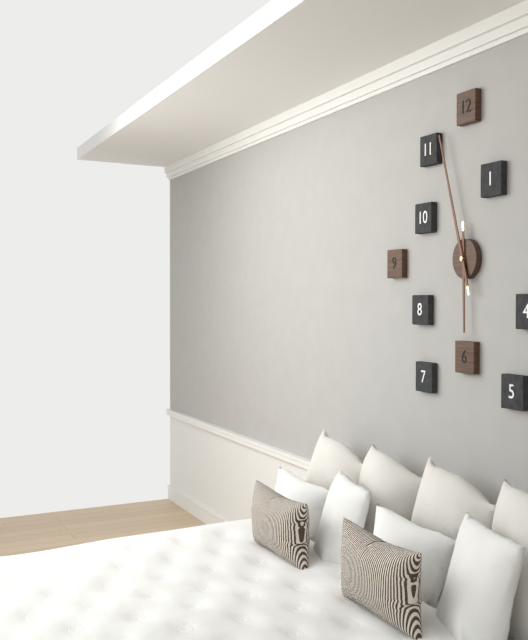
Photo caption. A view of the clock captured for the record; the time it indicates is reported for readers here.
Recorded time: 5:57
